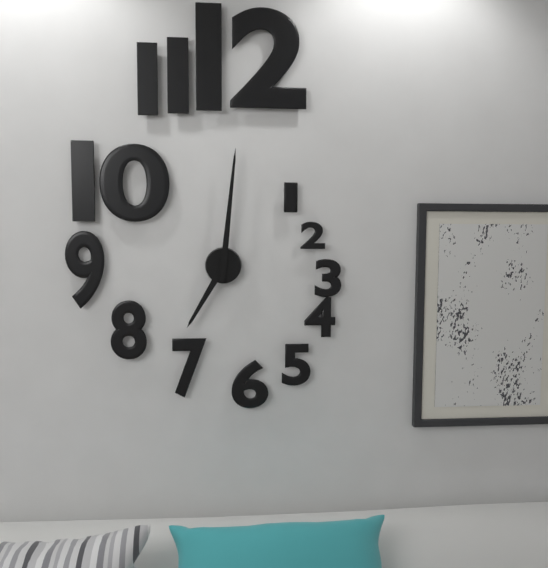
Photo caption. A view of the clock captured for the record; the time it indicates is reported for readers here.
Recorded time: 7:01
